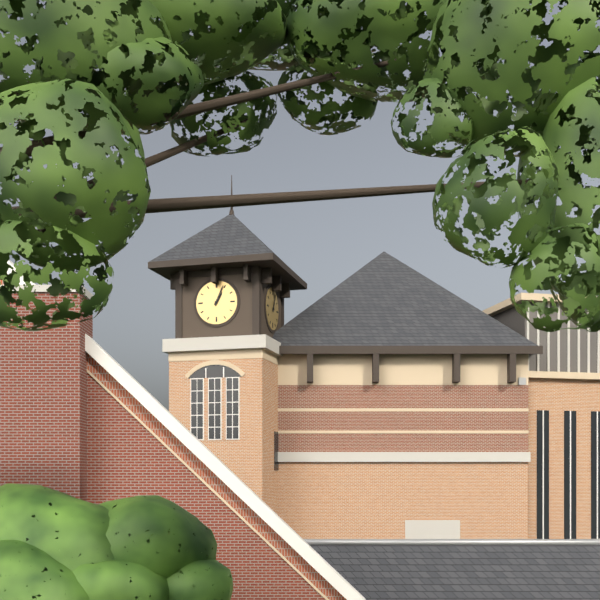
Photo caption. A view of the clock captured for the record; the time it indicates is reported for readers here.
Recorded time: 1:04
